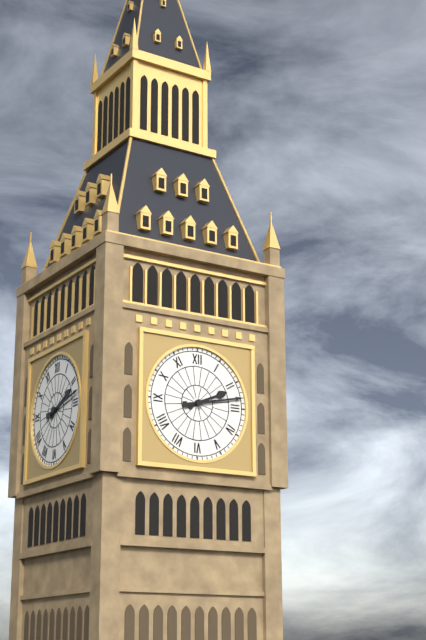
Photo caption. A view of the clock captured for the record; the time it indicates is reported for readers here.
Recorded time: 2:13
